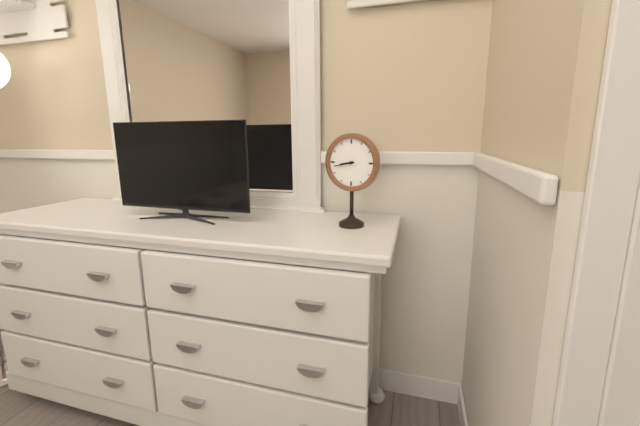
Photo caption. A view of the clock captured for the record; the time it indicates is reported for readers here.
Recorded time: 8:43
